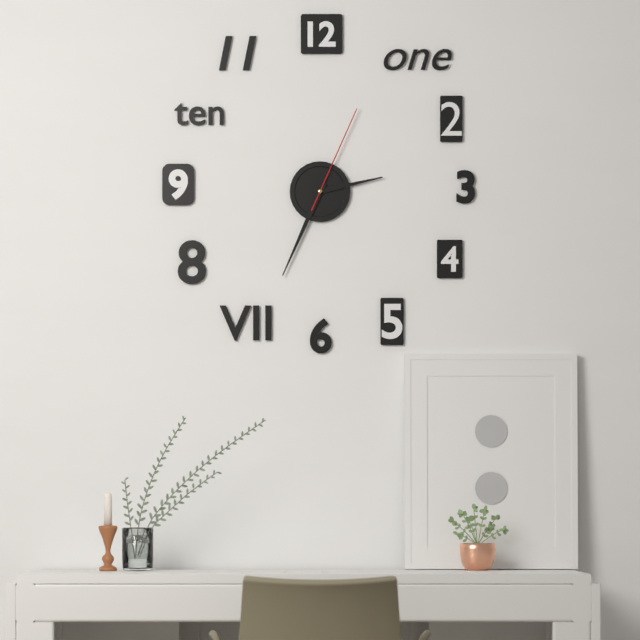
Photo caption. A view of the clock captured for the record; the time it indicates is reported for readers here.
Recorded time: 2:34:04
